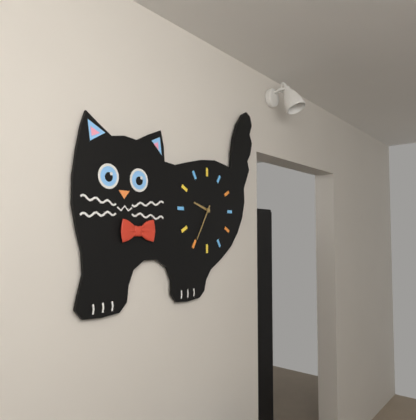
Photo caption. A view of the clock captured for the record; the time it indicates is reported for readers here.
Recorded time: 9:35
